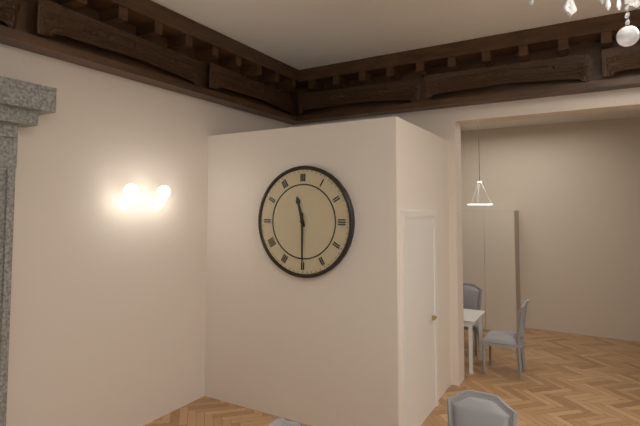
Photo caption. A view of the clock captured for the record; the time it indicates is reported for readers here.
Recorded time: 11:30
